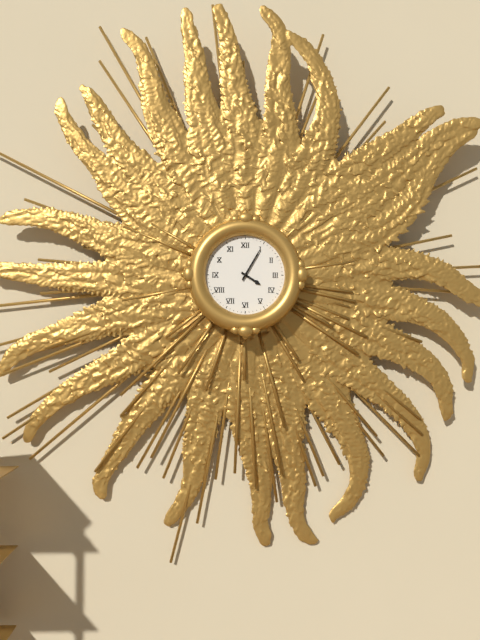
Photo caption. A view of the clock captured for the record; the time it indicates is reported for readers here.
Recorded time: 4:05
